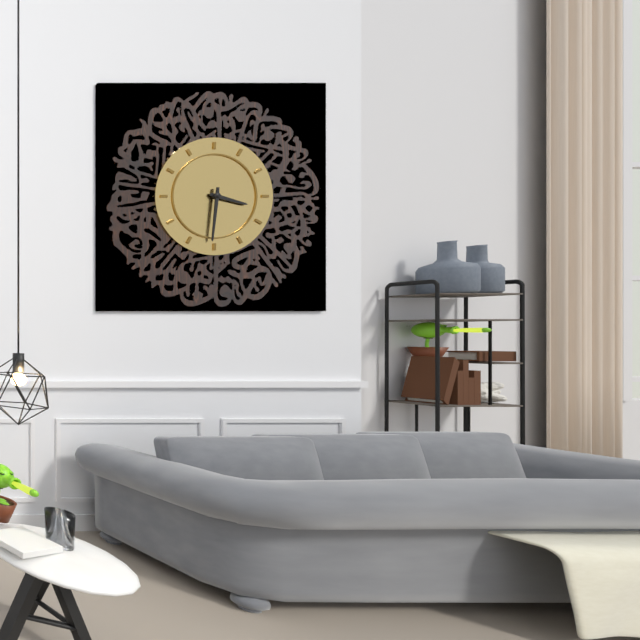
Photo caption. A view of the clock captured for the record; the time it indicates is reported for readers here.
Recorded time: 3:31
